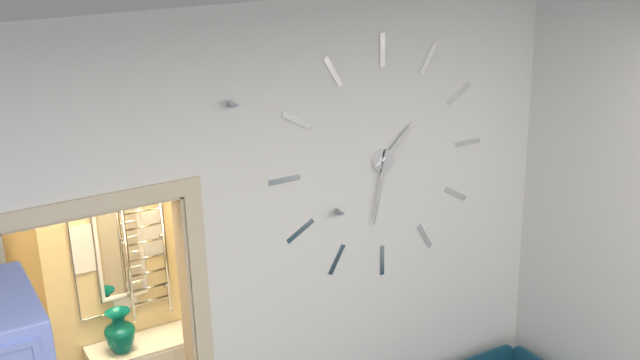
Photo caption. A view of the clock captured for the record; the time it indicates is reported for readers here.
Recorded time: 1:32
